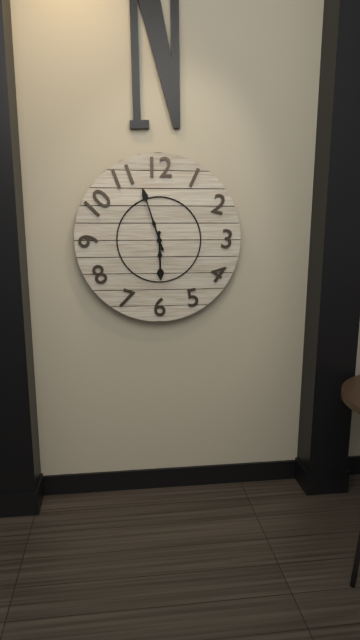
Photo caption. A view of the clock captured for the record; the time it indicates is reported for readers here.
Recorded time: 5:57
